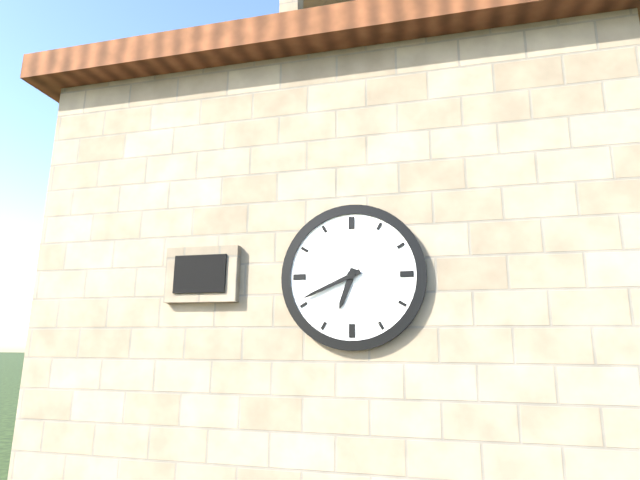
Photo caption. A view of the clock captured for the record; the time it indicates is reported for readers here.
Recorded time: 6:41
